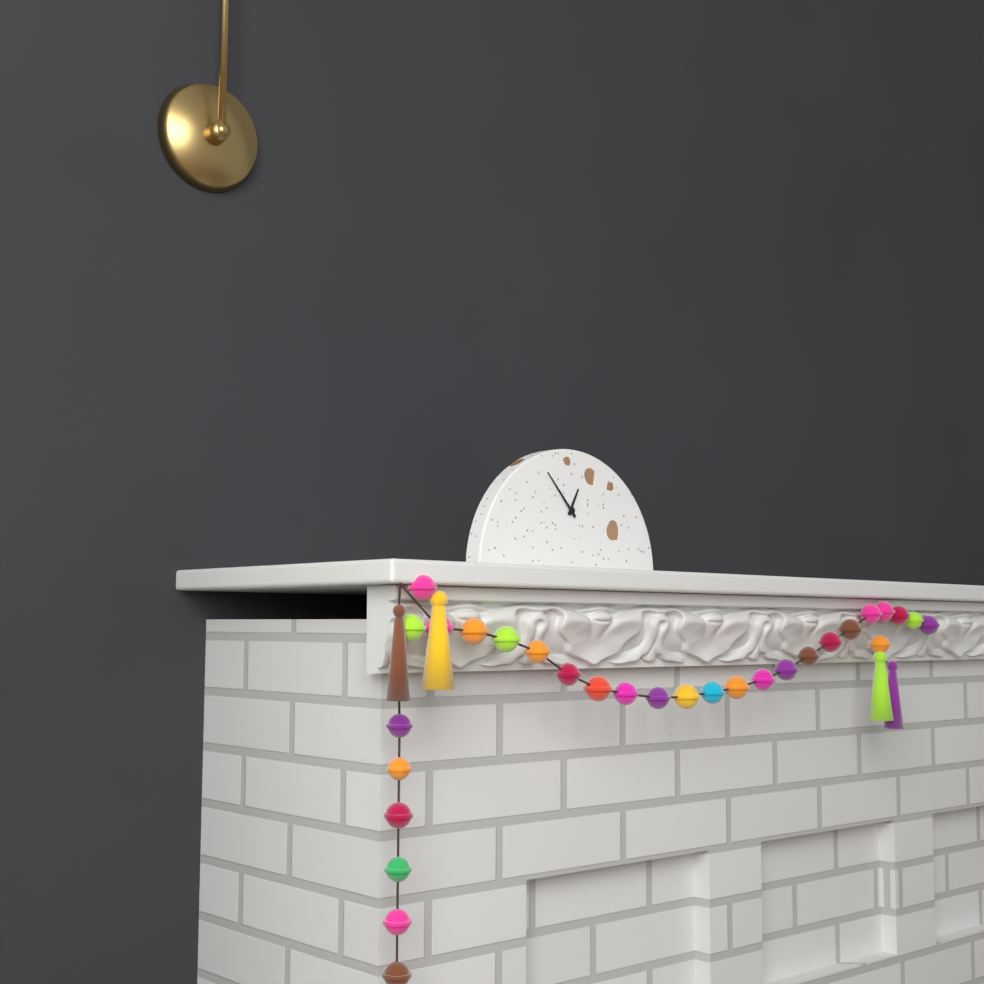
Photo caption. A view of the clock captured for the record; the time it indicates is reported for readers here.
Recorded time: 12:53
